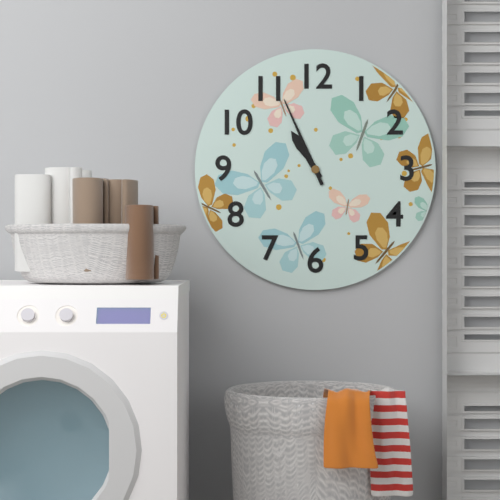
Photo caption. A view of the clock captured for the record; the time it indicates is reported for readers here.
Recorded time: 10:56
